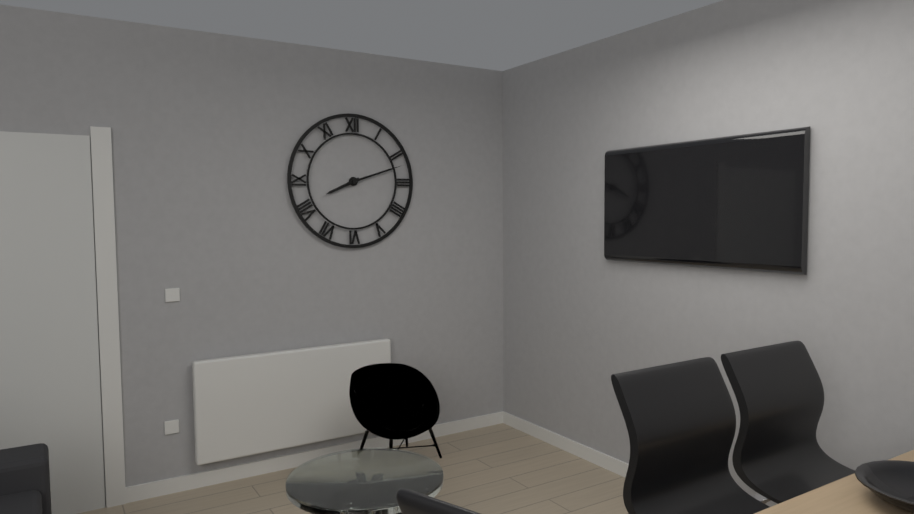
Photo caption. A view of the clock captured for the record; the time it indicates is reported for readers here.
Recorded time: 8:12:12
